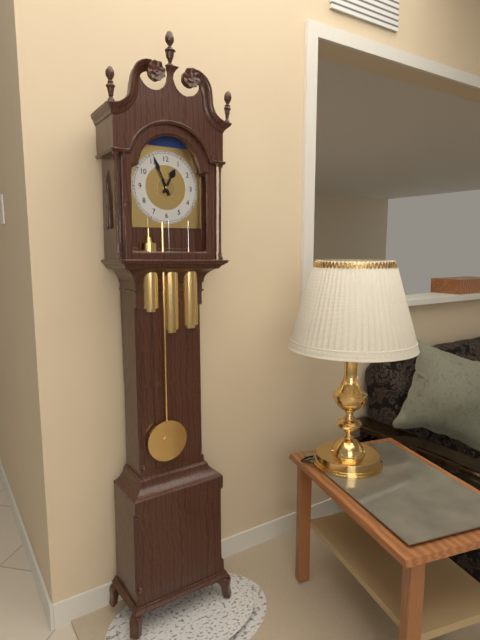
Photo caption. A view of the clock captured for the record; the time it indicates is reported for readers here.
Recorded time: 12:56
